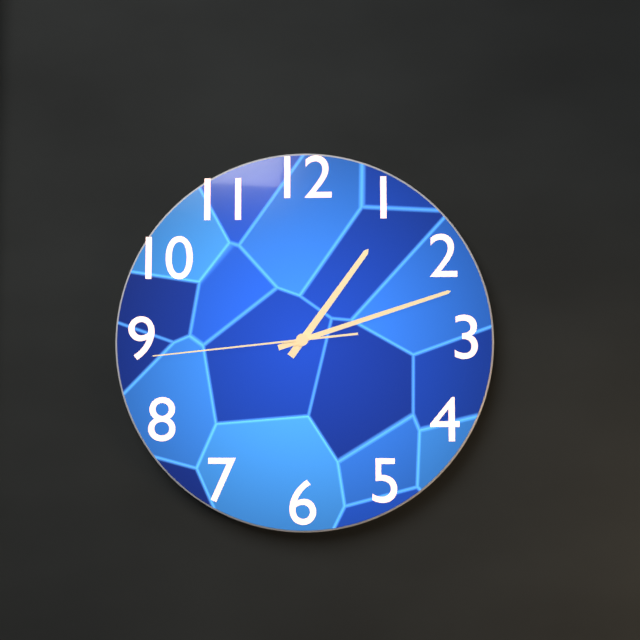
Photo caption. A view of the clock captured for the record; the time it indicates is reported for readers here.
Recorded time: 1:12:44
